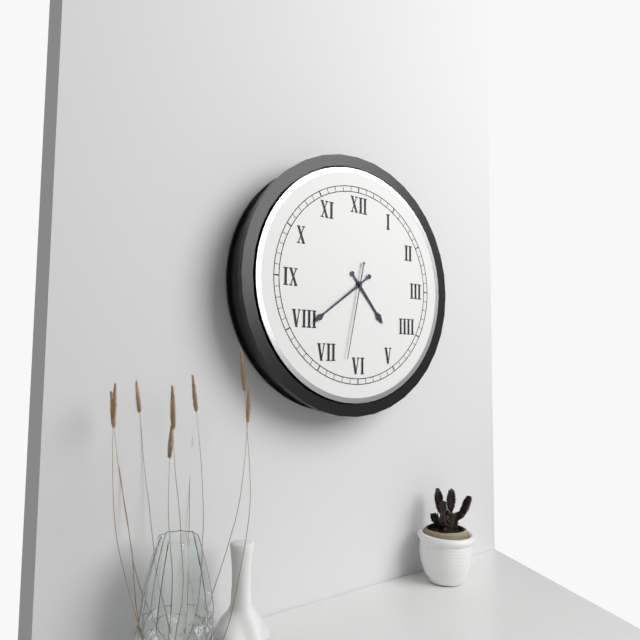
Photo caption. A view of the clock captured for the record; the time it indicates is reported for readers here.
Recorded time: 4:39:32
